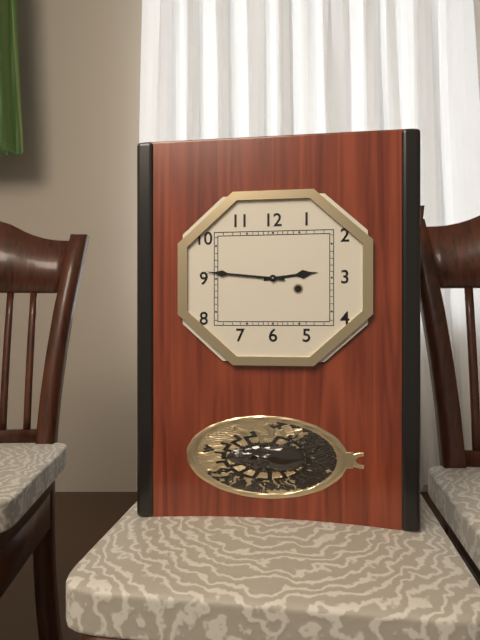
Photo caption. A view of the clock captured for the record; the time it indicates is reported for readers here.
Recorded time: 2:46
